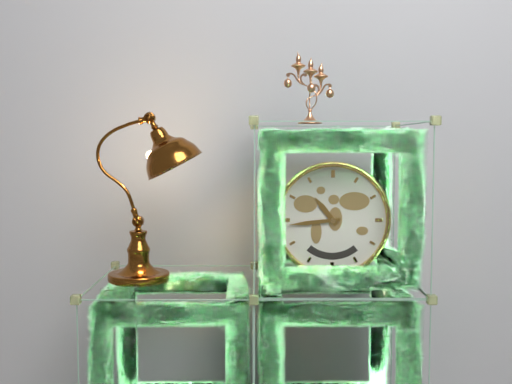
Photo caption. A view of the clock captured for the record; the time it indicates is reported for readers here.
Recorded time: 10:44
